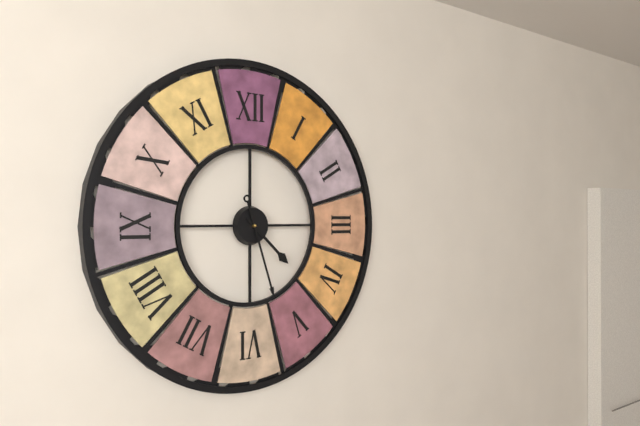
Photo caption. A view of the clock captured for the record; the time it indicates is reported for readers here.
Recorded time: 4:27
